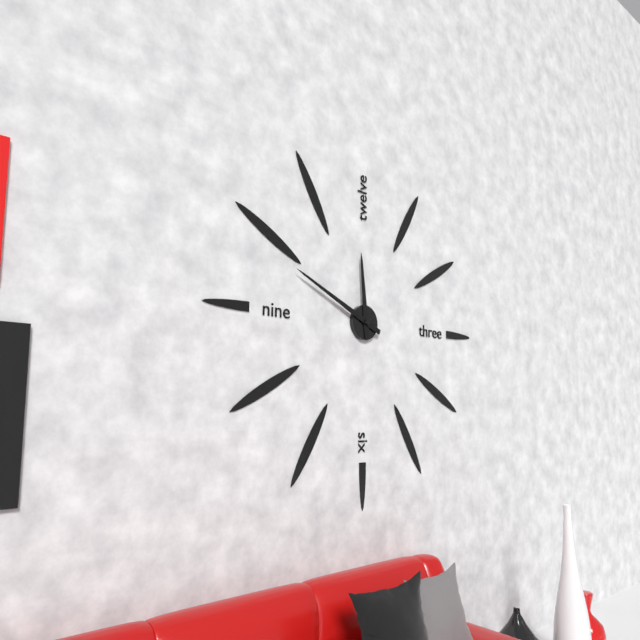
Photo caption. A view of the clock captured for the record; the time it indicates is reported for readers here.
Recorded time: 11:49
